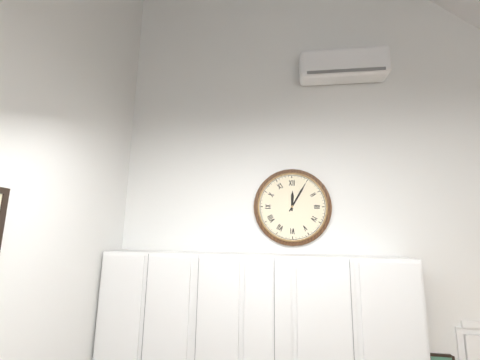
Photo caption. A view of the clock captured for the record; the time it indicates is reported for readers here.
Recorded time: 12:05
